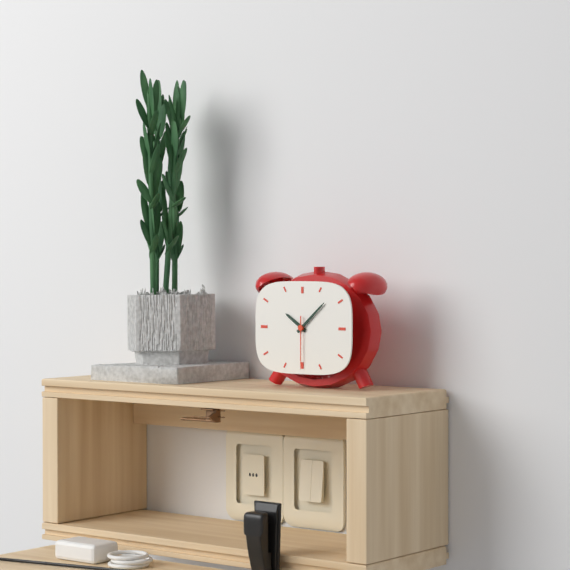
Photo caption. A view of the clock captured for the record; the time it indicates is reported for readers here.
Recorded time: 10:08:30
